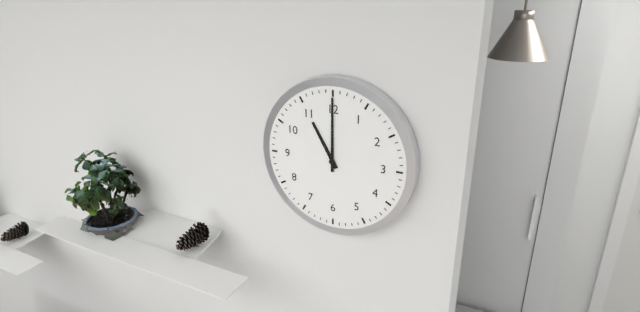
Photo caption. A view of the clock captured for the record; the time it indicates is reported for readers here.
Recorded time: 11:00
